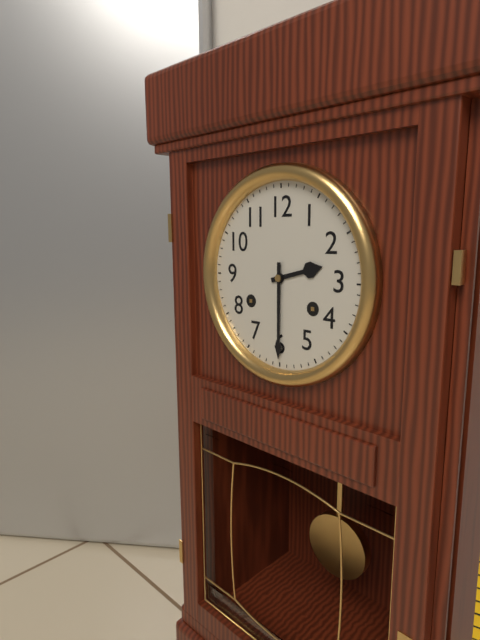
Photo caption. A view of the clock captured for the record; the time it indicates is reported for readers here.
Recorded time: 2:30
